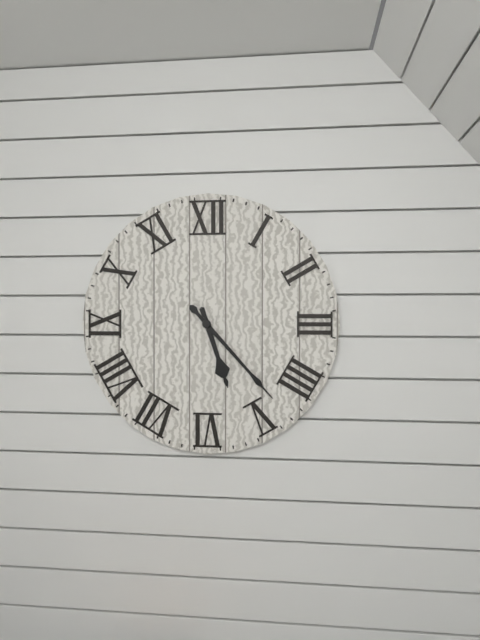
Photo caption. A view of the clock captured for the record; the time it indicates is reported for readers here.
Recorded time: 5:23
